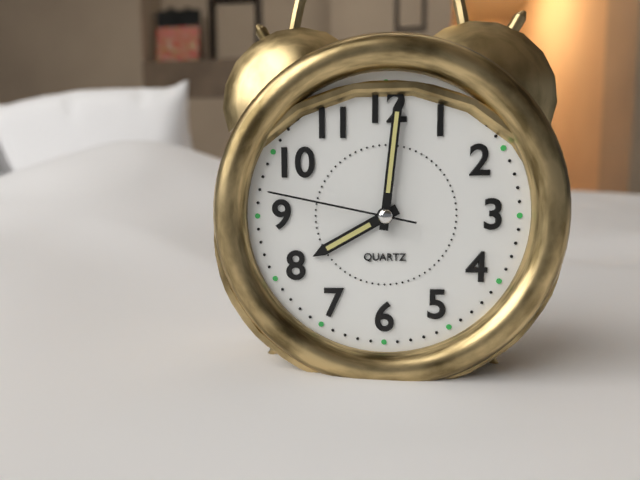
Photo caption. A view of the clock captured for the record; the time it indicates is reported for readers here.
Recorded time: 8:01:47
